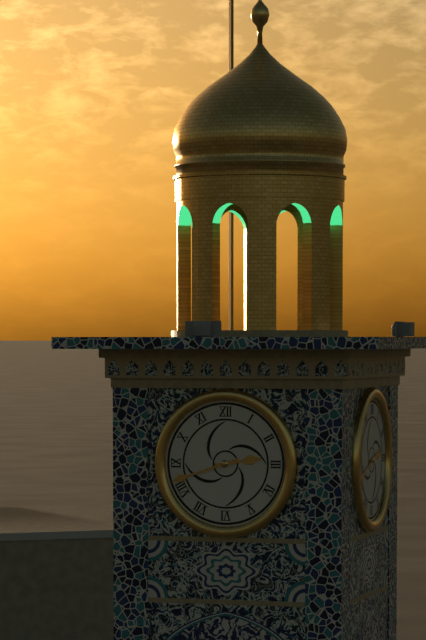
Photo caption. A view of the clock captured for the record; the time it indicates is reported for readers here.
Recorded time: 2:42
